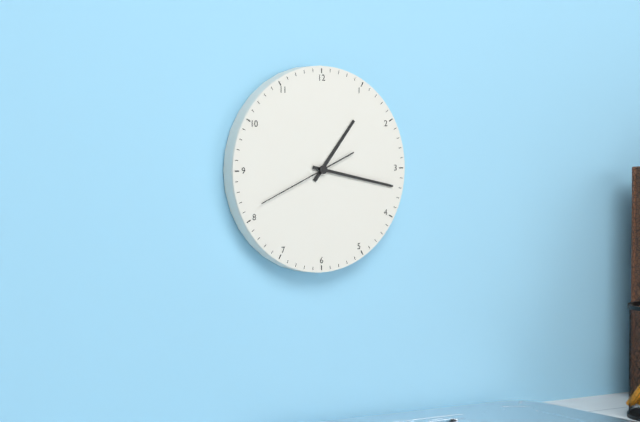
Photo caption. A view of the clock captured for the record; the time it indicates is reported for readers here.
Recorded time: 1:17:41
